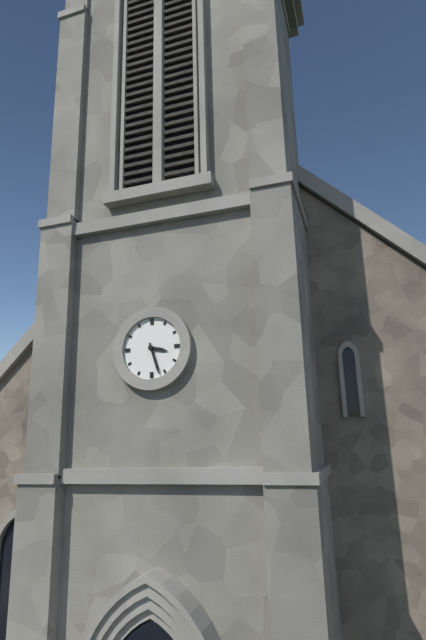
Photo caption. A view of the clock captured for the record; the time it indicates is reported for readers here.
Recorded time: 3:27
